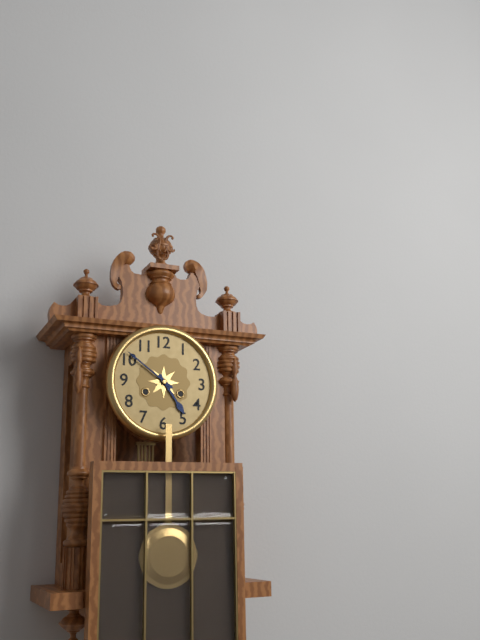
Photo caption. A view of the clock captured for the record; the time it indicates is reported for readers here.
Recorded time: 4:51
